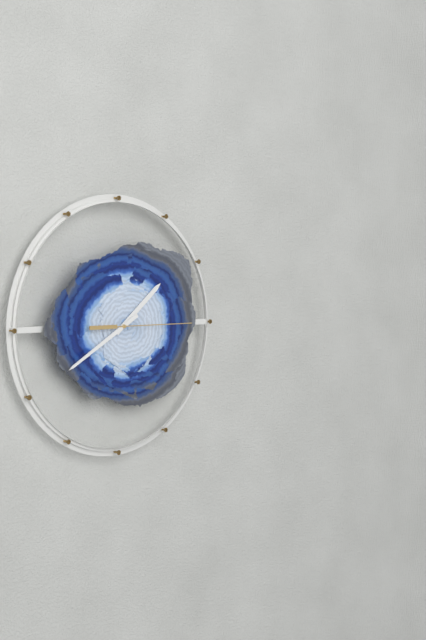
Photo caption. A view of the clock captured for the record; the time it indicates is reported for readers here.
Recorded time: 1:40:15
